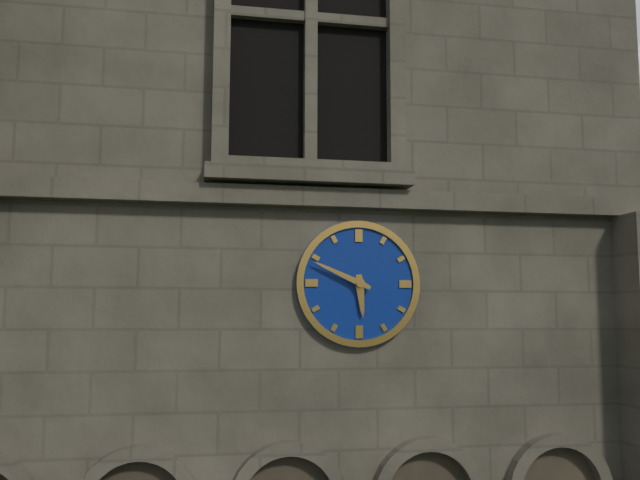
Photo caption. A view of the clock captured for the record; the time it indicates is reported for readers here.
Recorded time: 5:49
